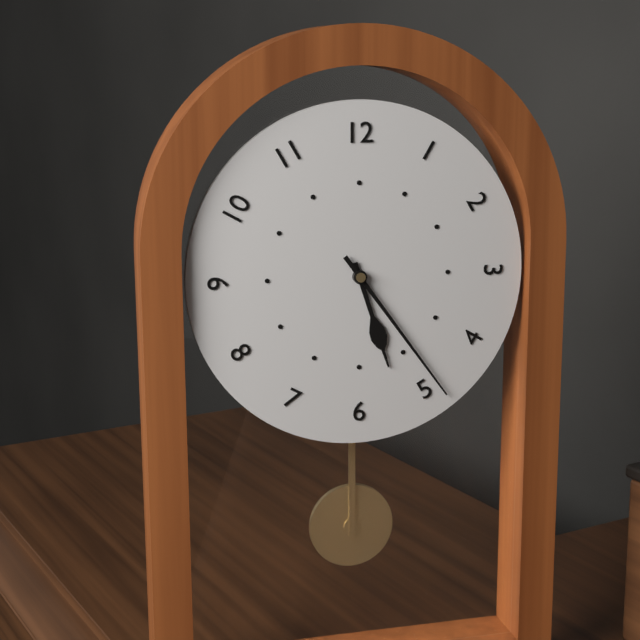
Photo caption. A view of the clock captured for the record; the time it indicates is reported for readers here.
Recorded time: 5:24
